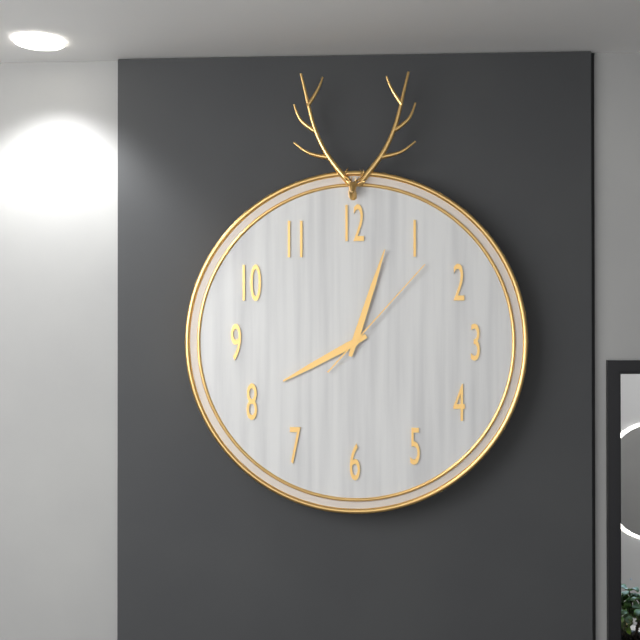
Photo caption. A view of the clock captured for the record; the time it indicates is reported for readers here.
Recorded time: 8:03:07
